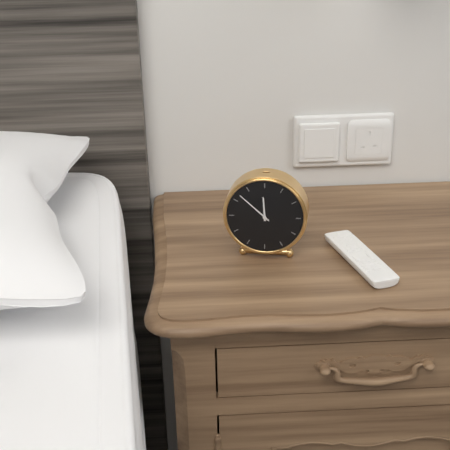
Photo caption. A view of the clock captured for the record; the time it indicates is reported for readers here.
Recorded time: 11:52
